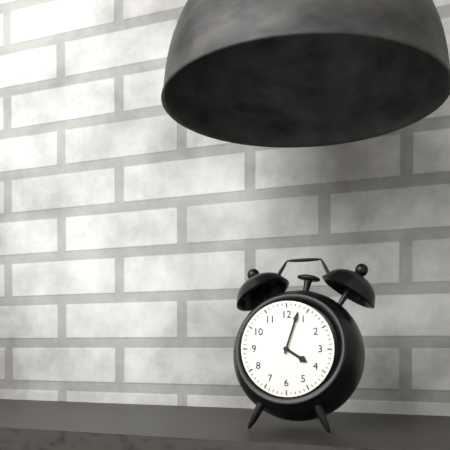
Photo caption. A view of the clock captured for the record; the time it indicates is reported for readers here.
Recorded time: 4:03
